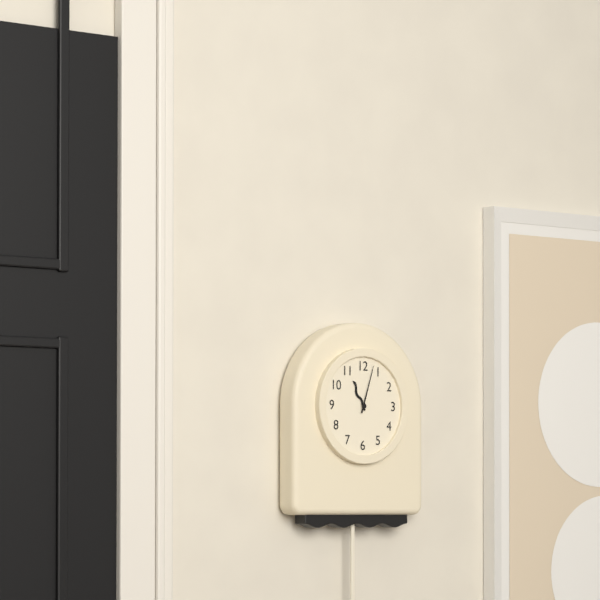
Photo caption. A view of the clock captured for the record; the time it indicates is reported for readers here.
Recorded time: 11:03
